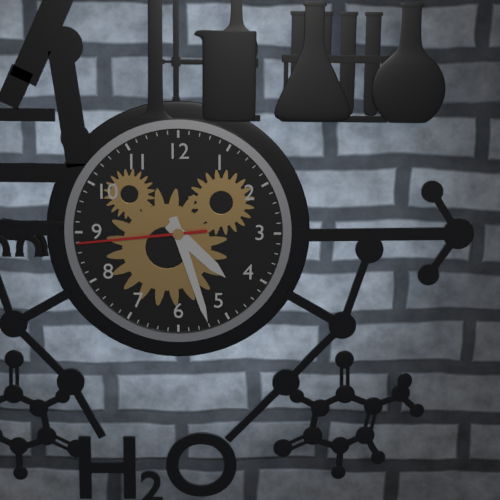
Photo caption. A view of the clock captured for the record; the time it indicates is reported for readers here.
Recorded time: 4:27:44
